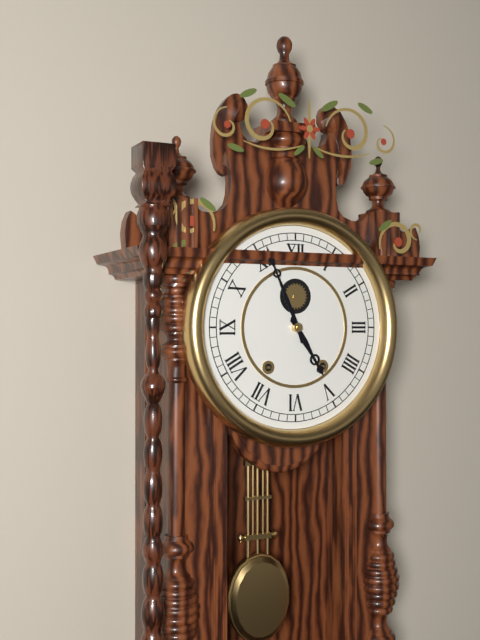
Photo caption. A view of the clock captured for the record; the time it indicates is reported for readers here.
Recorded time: 4:56
